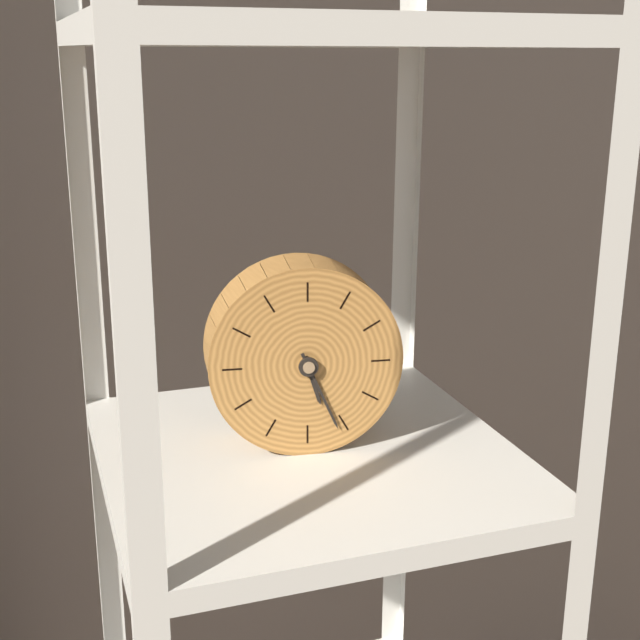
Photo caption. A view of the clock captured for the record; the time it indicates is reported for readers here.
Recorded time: 5:26
